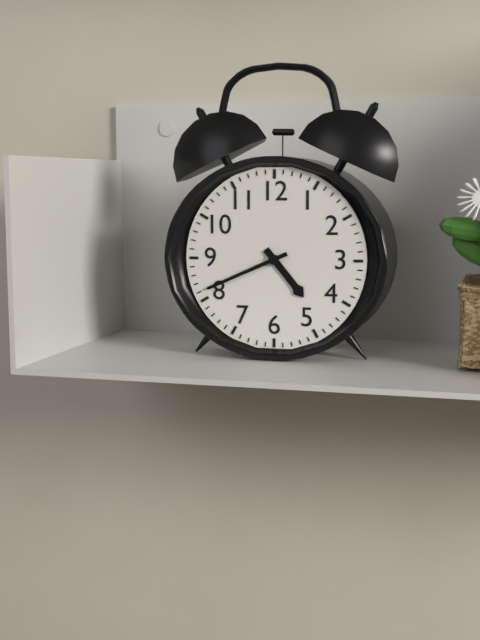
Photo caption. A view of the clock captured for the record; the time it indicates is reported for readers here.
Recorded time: 4:41
